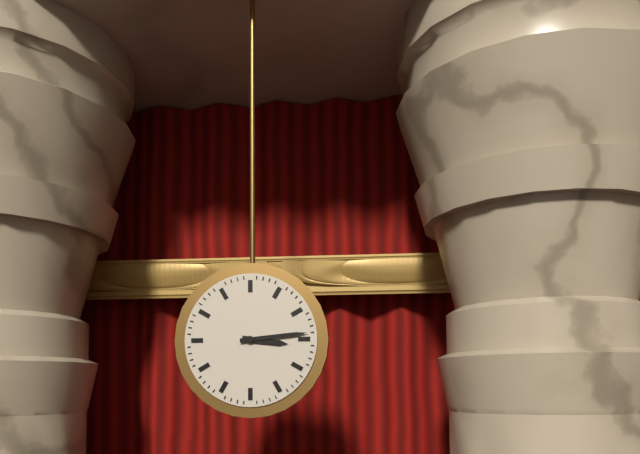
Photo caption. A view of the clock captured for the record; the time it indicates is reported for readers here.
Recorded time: 3:14
